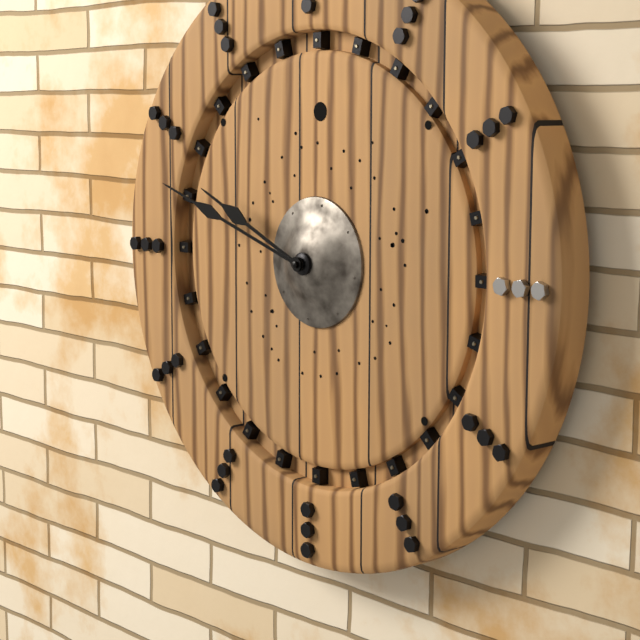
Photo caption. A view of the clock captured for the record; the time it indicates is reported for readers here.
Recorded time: 9:48
